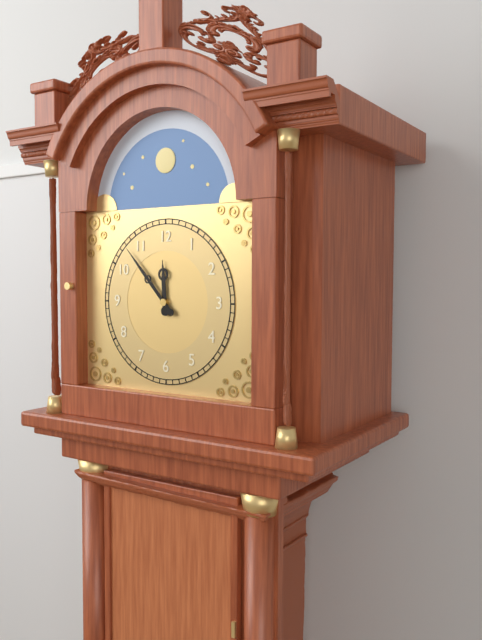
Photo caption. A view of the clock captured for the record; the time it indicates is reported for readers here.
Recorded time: 11:53
